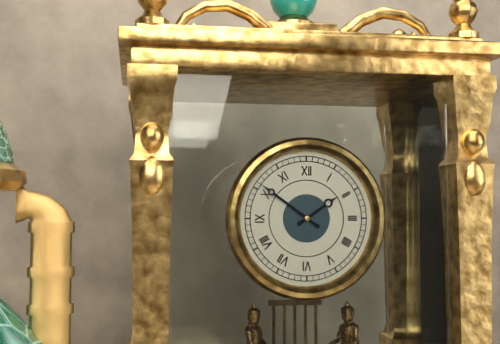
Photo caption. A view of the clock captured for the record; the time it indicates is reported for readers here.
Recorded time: 1:51
